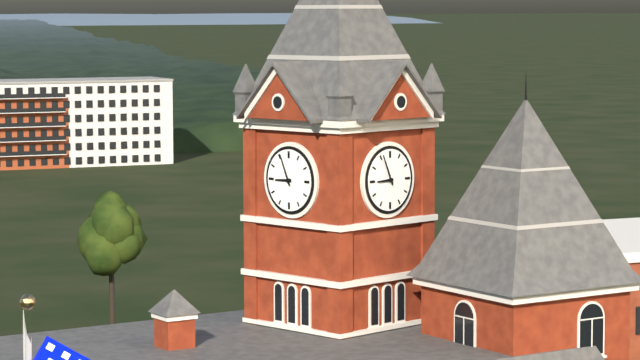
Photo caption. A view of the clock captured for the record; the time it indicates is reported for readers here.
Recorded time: 8:56
